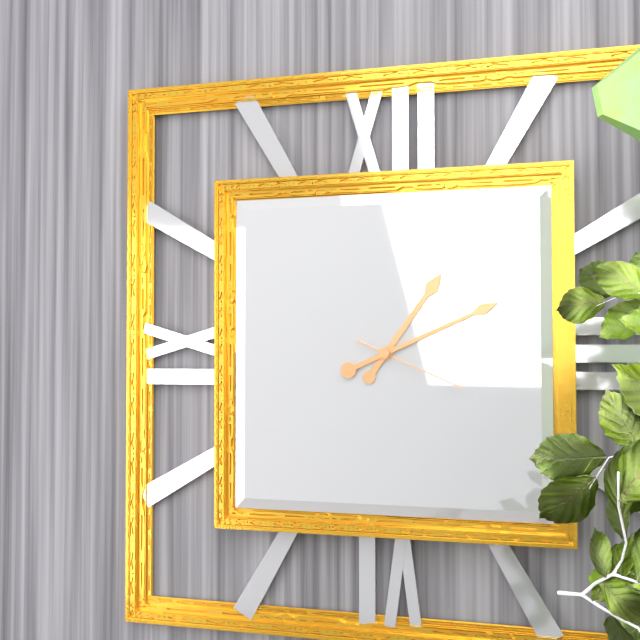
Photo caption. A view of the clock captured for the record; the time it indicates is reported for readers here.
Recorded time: 1:11:19
